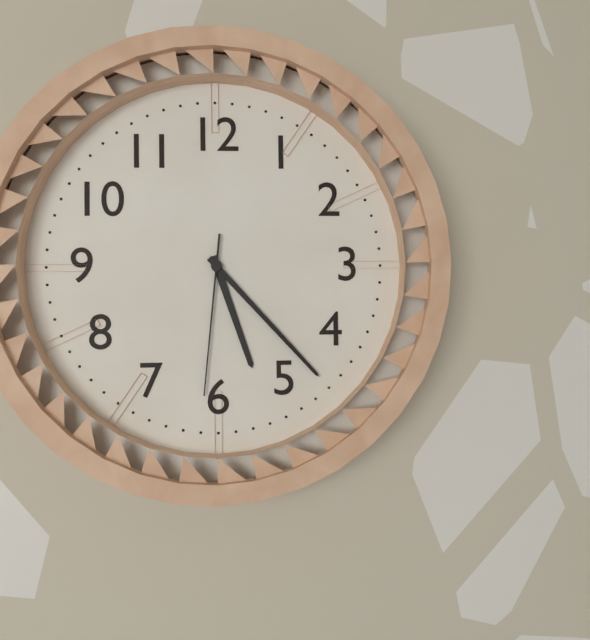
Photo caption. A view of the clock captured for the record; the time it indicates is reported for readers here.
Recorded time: 5:23:31
